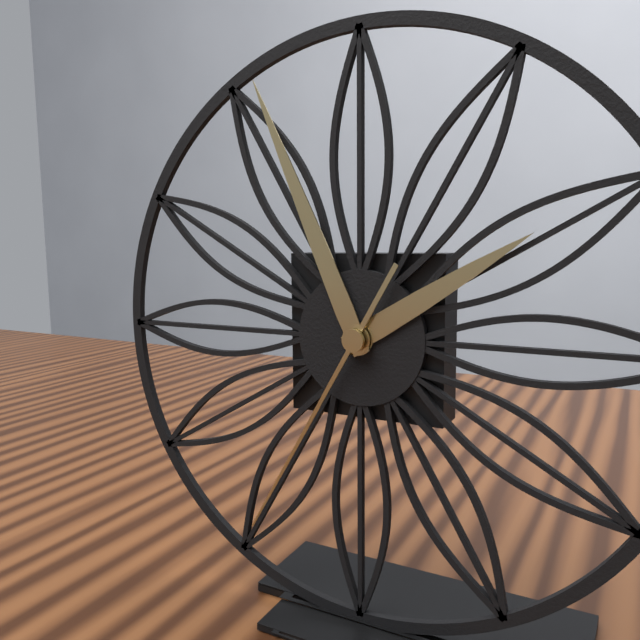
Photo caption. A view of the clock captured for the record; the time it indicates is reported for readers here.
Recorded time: 1:56:35
